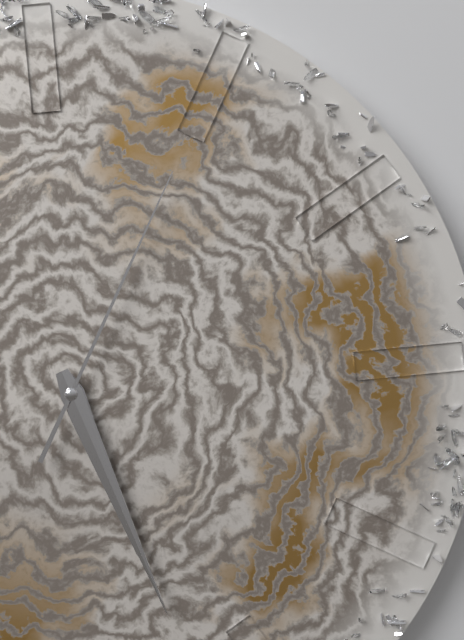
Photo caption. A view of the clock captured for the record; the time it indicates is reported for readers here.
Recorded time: 5:27:05
